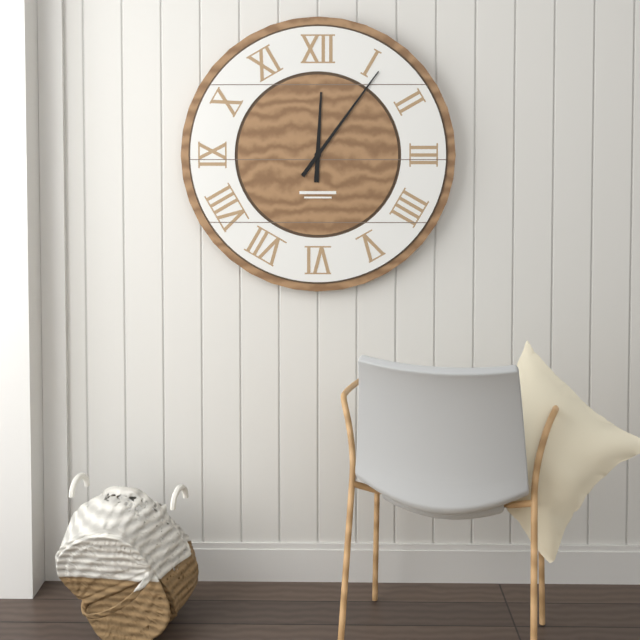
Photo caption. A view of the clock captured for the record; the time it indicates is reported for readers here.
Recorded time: 12:06
